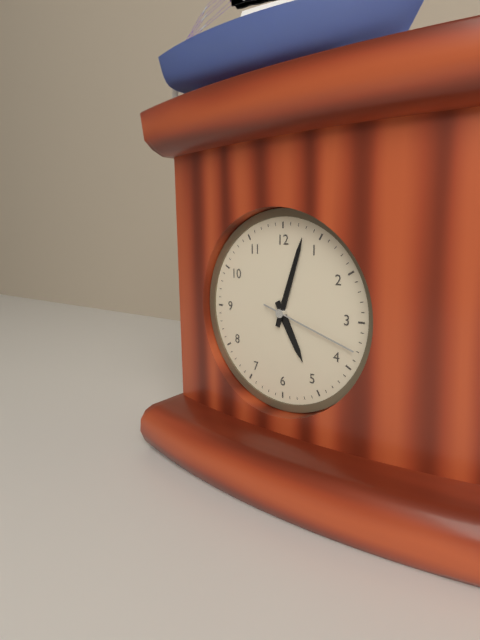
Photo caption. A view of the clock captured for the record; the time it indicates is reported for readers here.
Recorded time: 5:03:18
